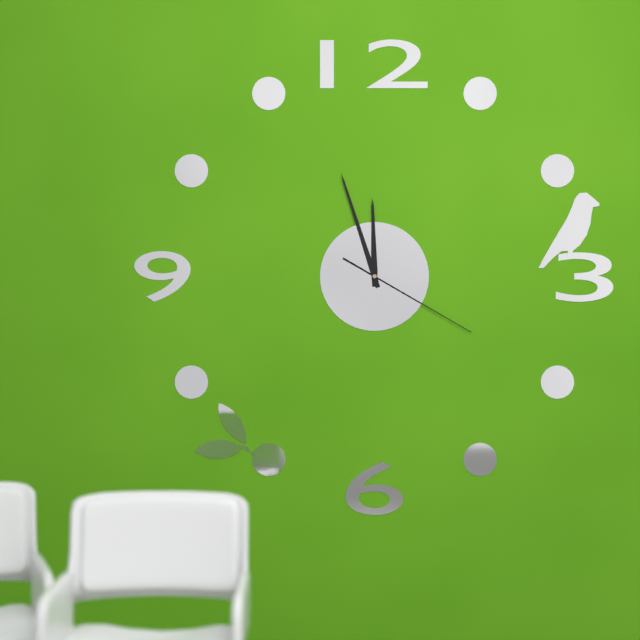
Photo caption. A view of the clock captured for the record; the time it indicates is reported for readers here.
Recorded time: 11:57:20
